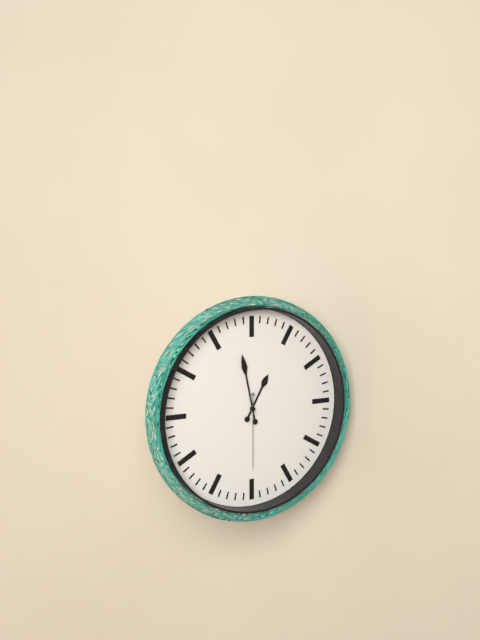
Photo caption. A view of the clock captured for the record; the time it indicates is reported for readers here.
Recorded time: 12:58:30
